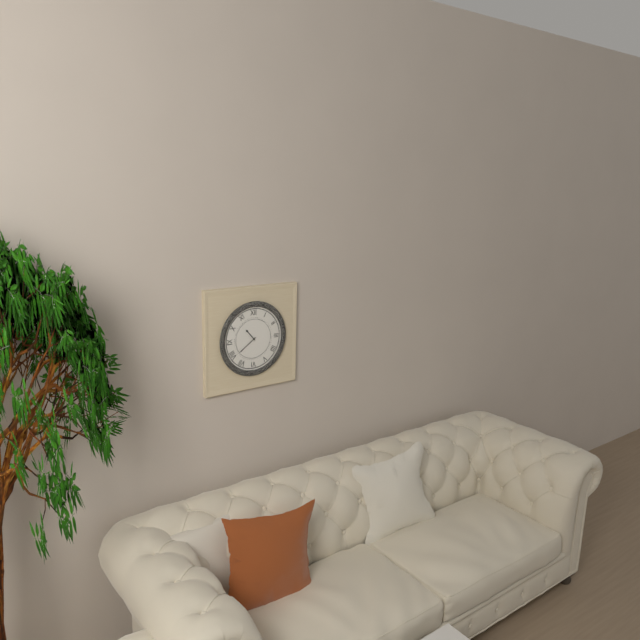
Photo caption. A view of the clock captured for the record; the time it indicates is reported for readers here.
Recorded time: 10:39
